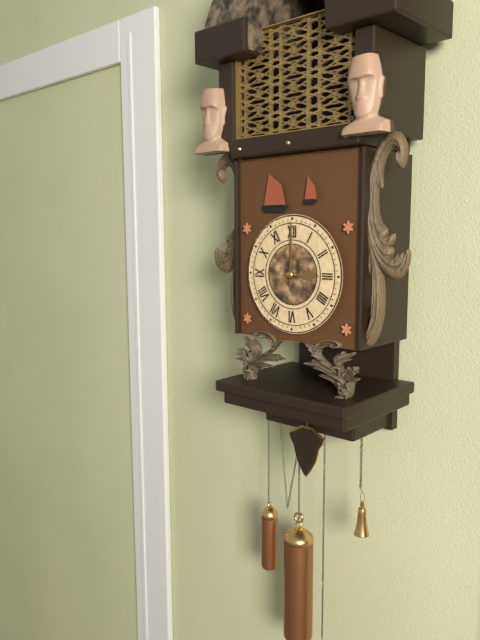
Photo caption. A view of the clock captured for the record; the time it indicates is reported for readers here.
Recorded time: 3:00
